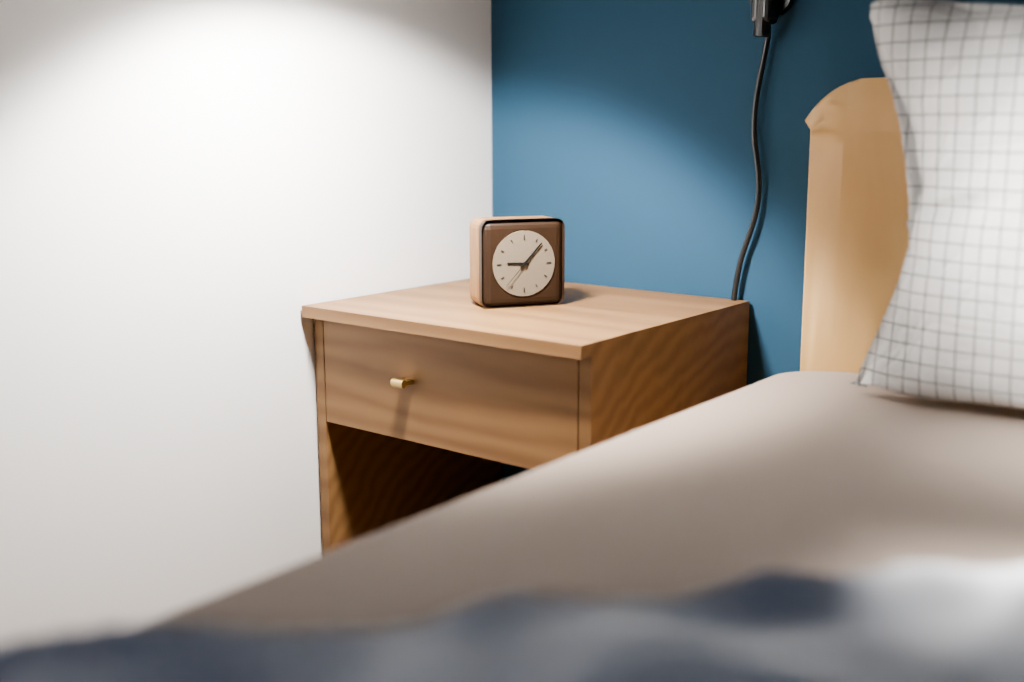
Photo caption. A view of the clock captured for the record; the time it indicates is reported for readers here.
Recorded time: 9:07
